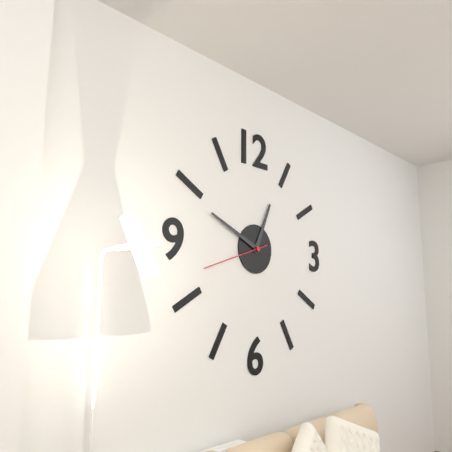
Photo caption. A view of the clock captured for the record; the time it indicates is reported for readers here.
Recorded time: 12:49:42
